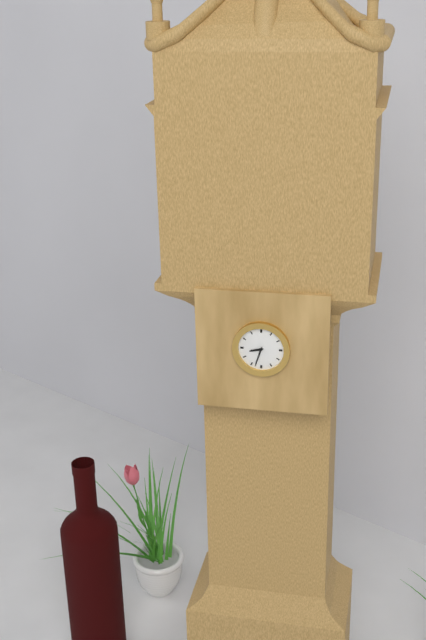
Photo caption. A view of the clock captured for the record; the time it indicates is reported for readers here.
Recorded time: 8:33
